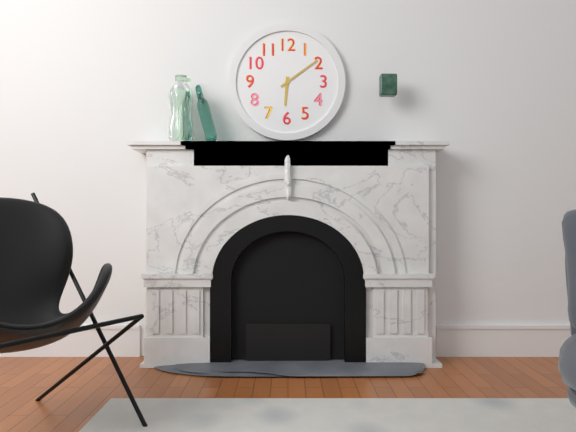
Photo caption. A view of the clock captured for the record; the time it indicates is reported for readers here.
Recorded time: 6:09
